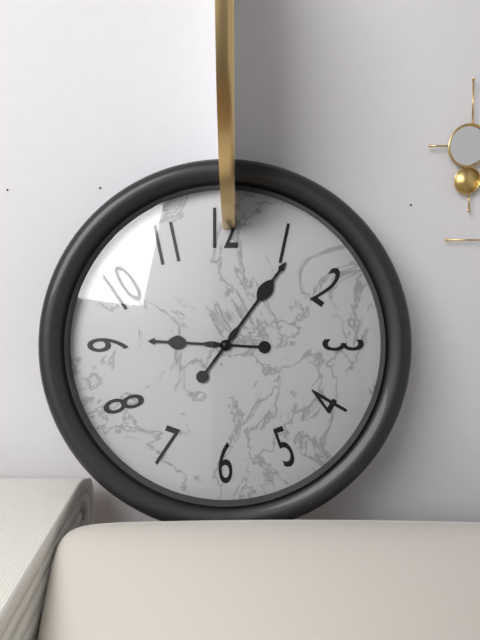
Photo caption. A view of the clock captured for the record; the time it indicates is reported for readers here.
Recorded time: 9:06
